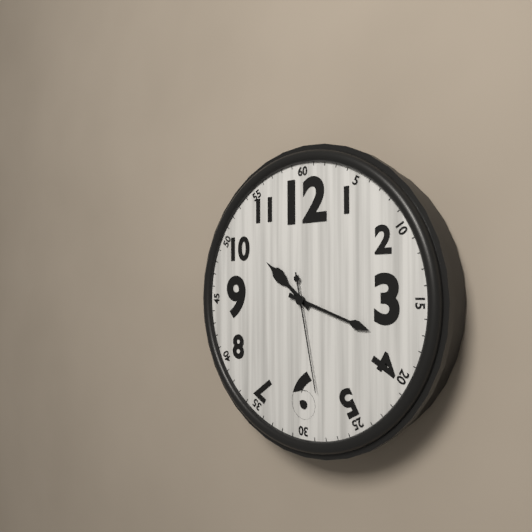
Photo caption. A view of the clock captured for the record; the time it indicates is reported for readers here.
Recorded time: 10:18:28
